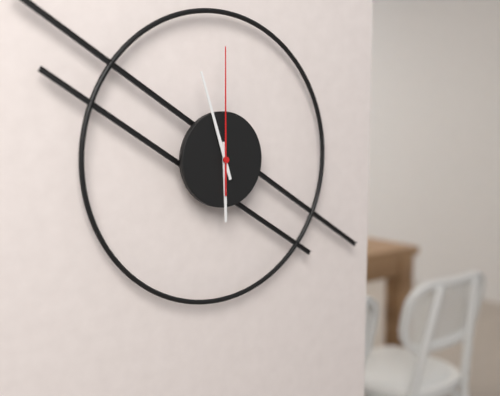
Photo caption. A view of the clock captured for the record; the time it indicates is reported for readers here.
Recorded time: 5:57:00
